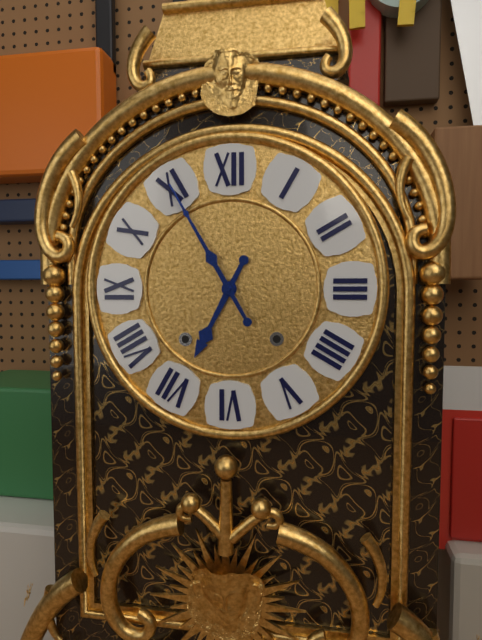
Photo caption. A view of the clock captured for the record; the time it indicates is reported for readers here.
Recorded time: 6:55
